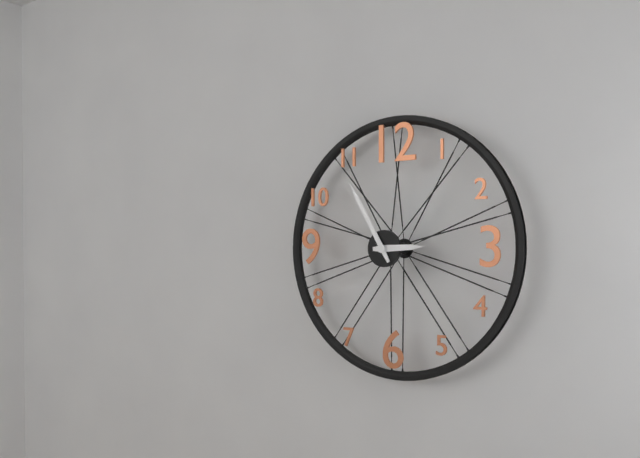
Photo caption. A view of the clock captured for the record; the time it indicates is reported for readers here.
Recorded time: 2:55
